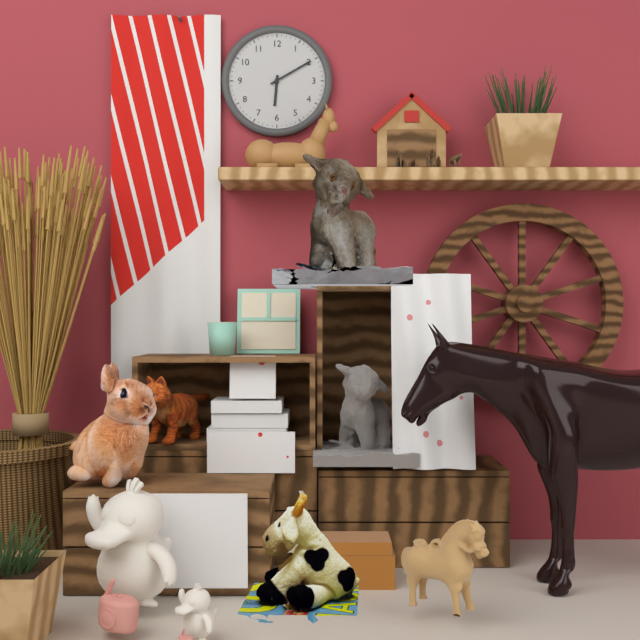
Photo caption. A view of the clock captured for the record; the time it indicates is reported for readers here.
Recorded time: 6:10
